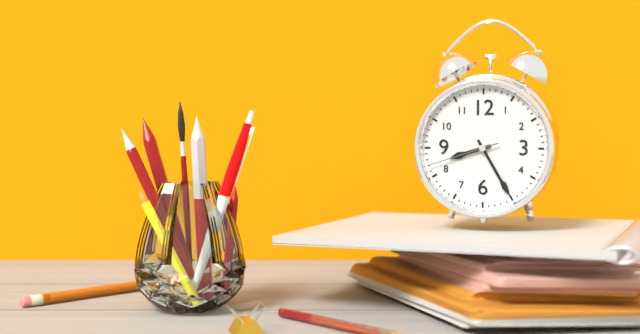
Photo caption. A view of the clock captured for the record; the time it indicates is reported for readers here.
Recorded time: 8:25:42
